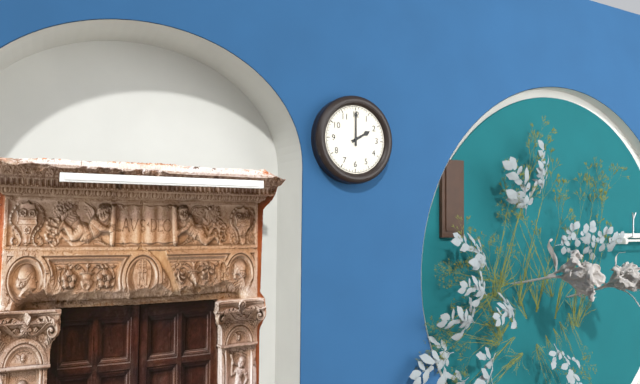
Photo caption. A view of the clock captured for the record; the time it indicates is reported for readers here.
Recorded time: 2:00
